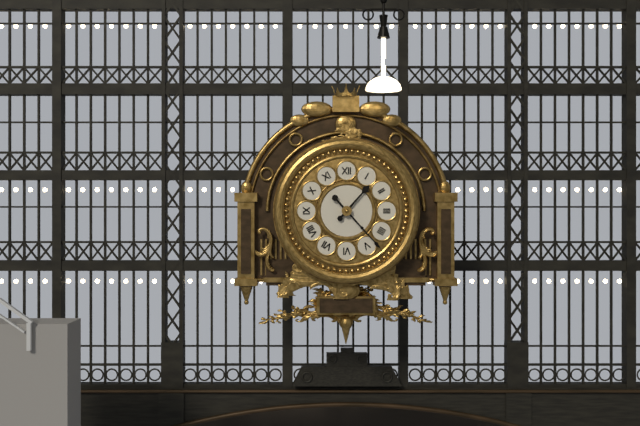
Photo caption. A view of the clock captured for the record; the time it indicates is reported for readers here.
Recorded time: 1:23
